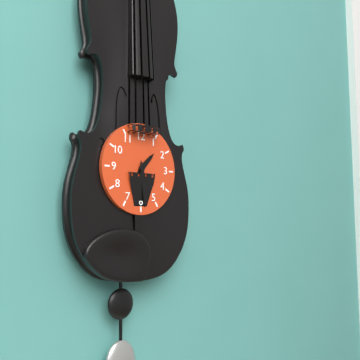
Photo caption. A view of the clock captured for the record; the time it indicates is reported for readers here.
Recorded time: 1:29
